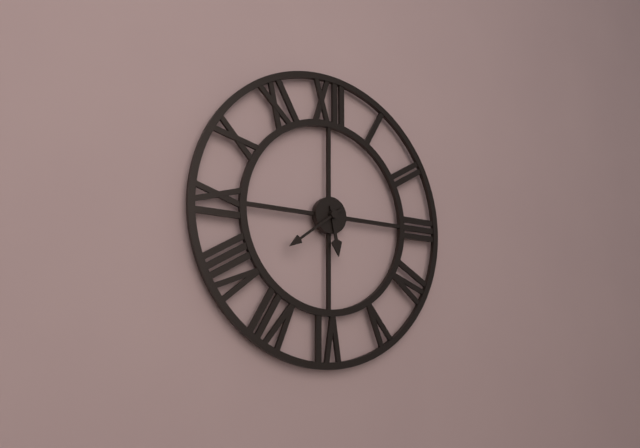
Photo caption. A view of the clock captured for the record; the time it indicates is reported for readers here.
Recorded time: 5:39
